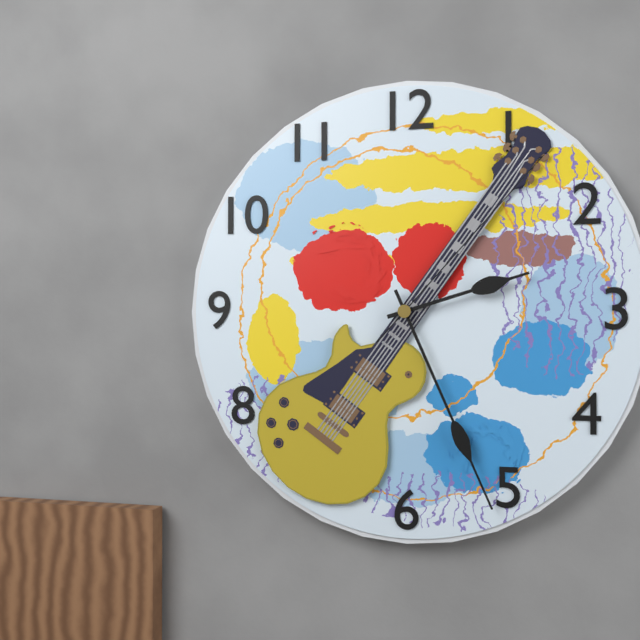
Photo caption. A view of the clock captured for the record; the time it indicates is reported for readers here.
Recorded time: 2:26:07
